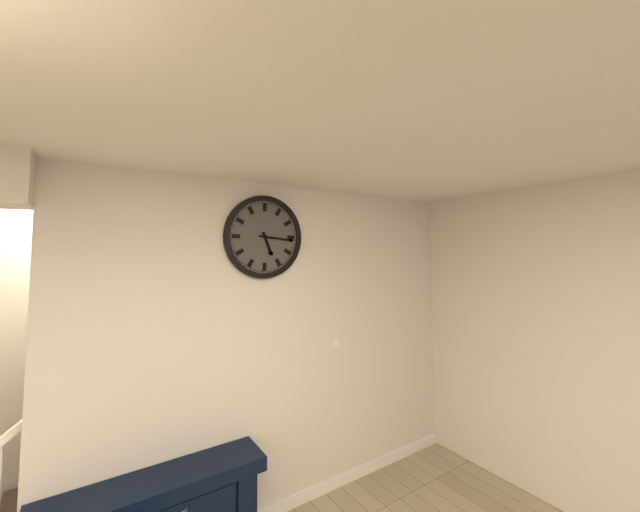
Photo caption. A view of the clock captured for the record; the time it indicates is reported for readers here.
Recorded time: 5:16
